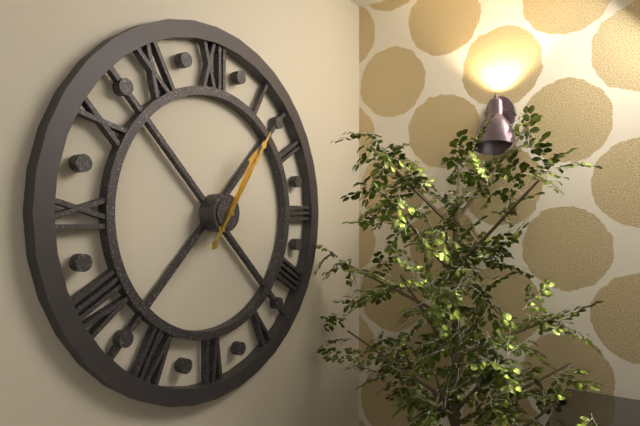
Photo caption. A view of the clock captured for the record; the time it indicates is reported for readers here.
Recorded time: 1:06
